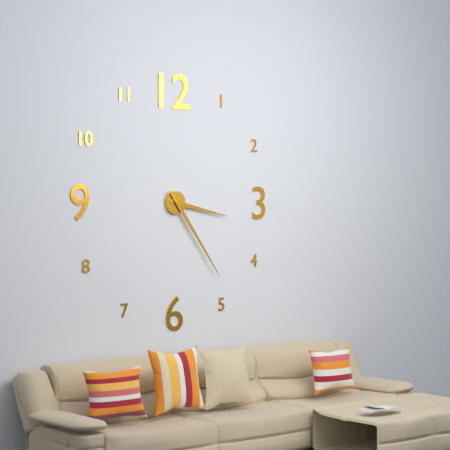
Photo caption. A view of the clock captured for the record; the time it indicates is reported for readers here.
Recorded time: 3:24
